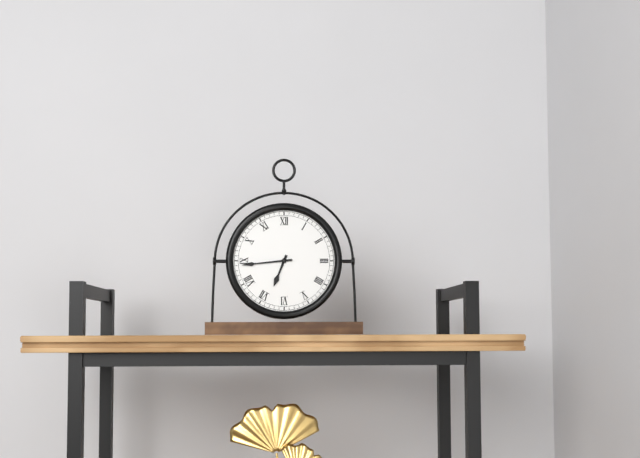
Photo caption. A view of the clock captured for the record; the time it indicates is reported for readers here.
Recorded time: 6:44
